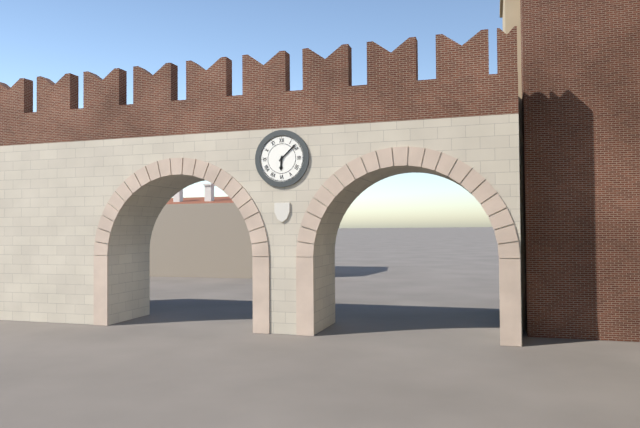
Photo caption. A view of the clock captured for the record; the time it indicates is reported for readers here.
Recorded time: 6:08
